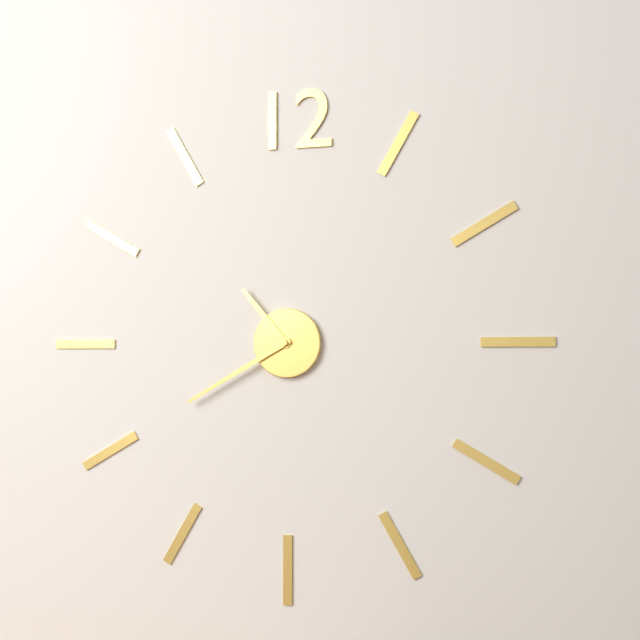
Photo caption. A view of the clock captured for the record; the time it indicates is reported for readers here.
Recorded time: 10:40
